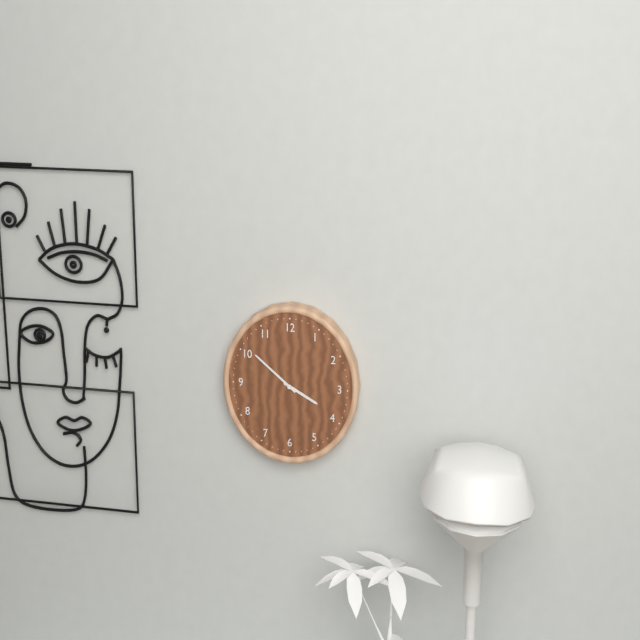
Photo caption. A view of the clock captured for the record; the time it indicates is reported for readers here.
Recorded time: 3:51
